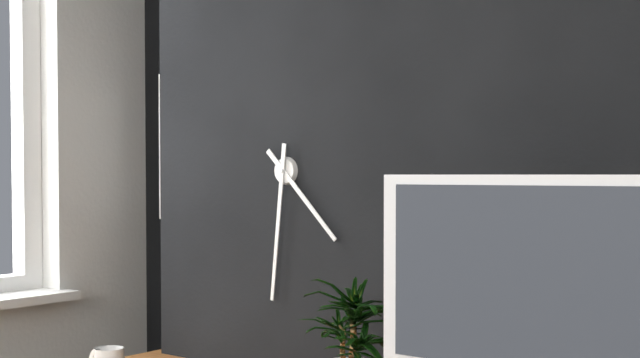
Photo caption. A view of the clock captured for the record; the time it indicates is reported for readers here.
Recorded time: 4:31
